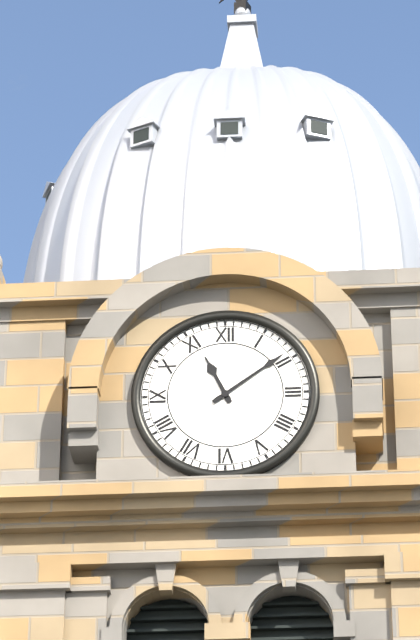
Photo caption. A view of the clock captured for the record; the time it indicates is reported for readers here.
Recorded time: 11:09
